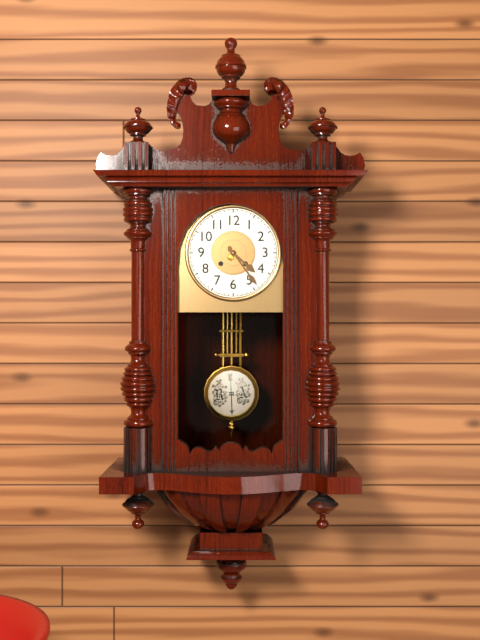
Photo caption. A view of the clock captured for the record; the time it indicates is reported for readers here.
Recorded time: 4:24
